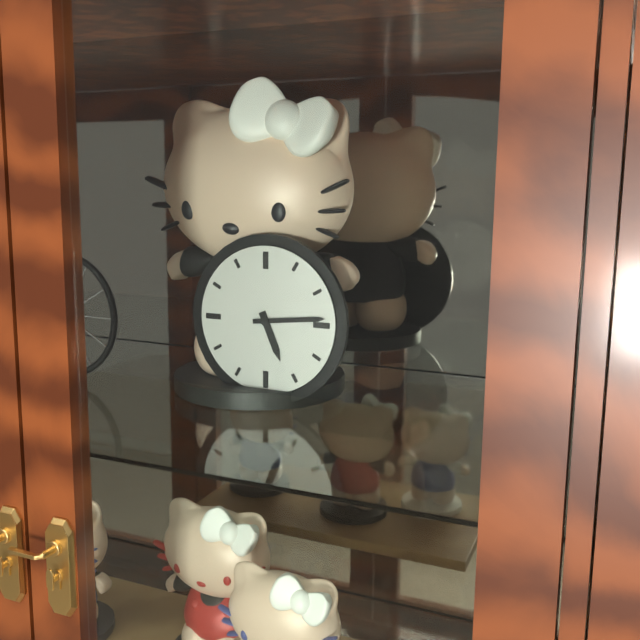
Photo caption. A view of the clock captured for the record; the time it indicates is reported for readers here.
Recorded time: 5:14
